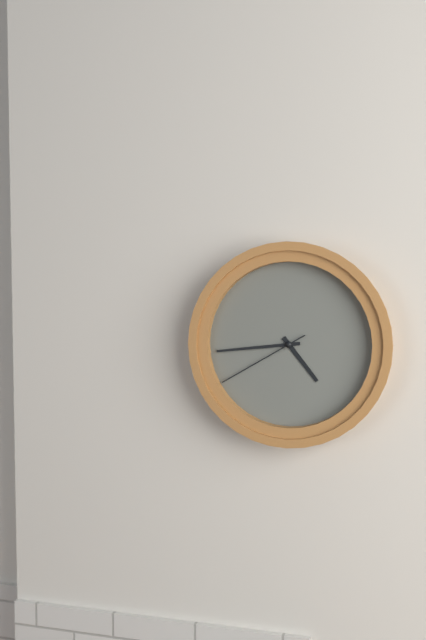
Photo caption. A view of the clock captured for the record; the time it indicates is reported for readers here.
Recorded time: 4:44:40
